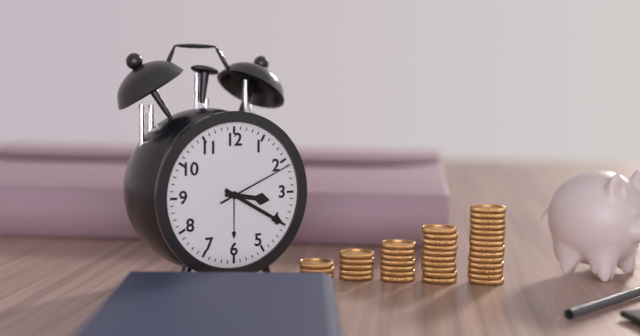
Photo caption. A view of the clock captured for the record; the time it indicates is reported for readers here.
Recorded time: 3:20:11
